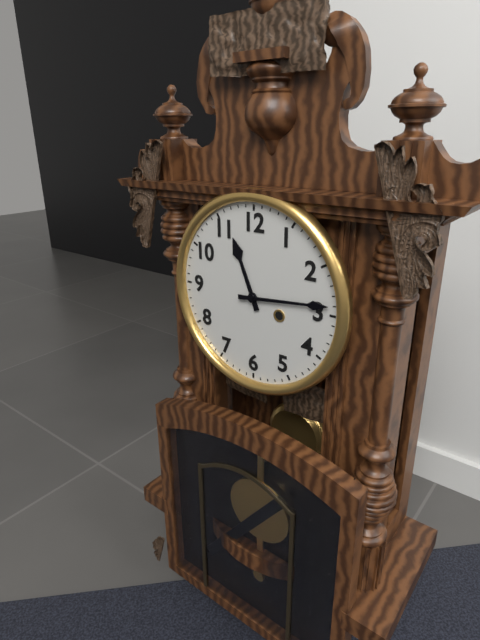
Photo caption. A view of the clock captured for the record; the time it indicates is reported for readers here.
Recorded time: 11:14
